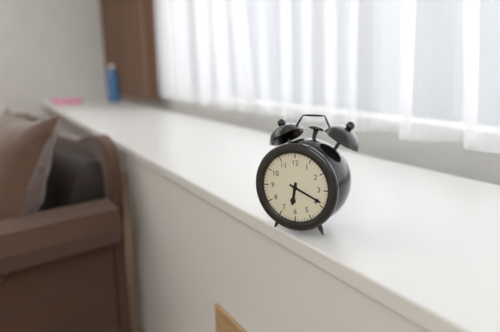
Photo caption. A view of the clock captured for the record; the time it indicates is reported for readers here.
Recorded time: 6:19
